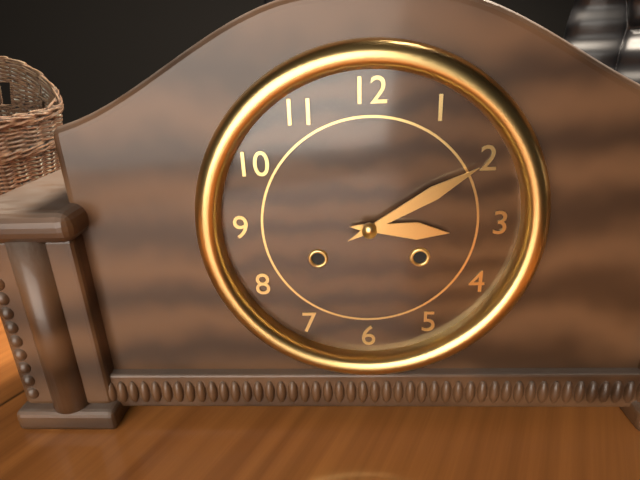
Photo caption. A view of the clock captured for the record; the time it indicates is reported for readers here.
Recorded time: 3:10
